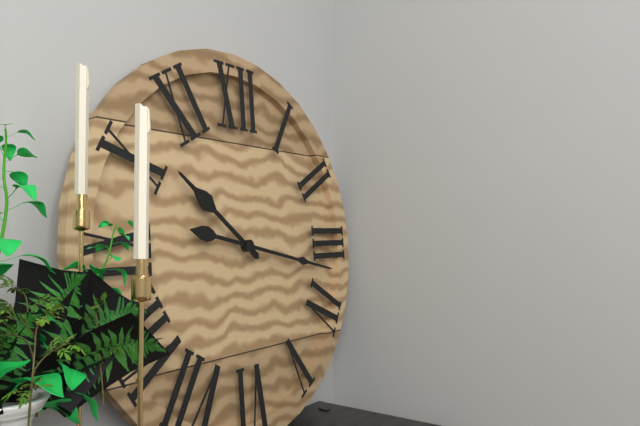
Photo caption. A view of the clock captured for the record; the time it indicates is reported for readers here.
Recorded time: 10:17
